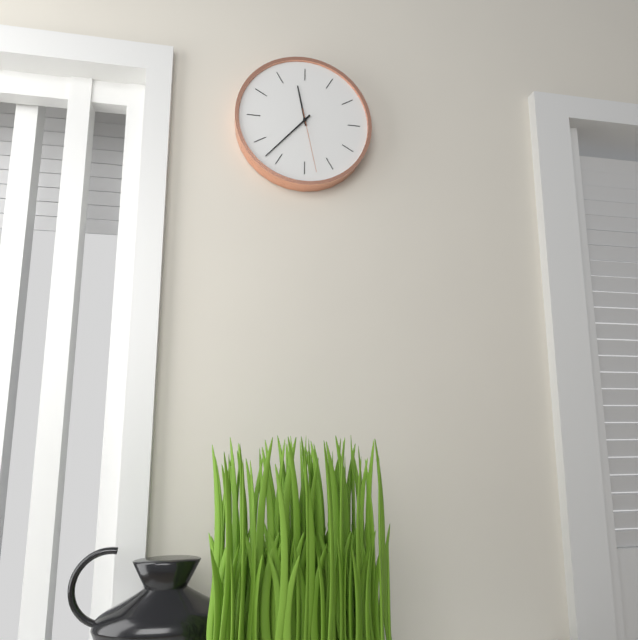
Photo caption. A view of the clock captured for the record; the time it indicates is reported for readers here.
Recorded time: 11:37:28
